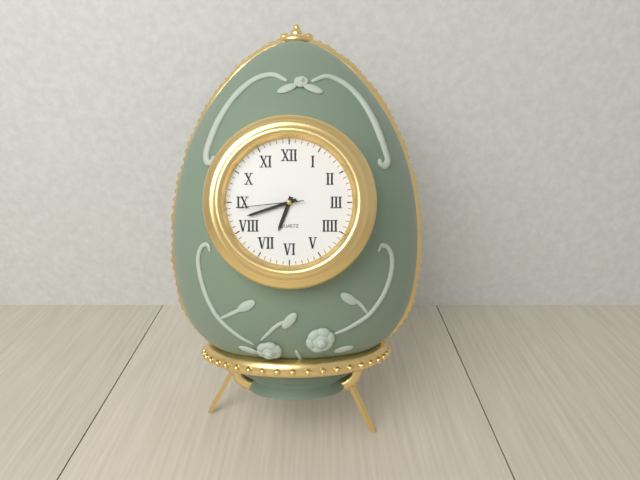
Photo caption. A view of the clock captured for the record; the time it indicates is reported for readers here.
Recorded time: 6:42:44
